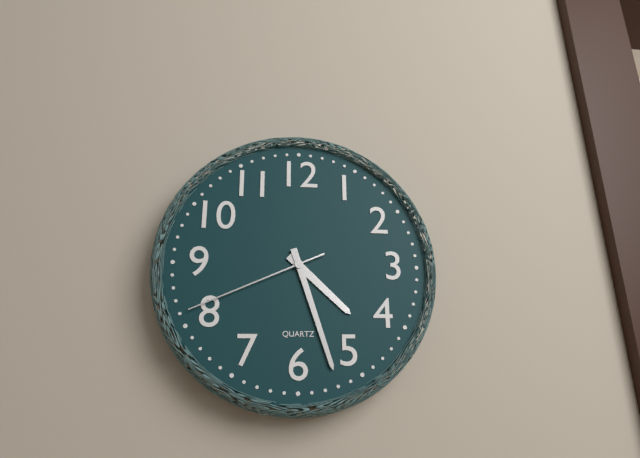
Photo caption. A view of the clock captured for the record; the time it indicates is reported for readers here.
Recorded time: 4:27:41
